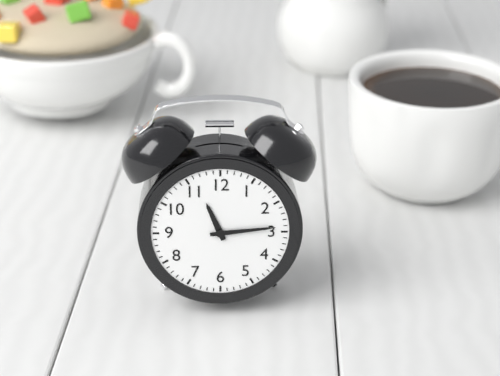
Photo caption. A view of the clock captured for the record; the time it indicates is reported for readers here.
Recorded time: 11:14
